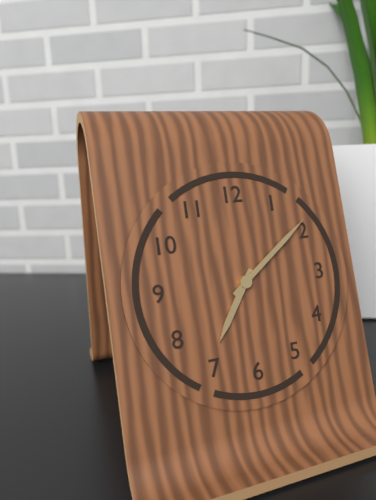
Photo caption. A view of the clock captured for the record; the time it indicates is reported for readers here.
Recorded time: 7:09
